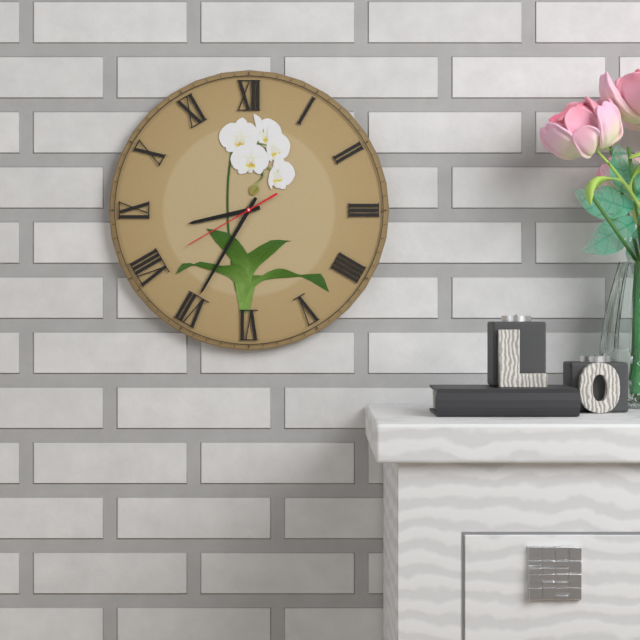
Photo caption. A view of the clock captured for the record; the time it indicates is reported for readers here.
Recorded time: 8:35:40
